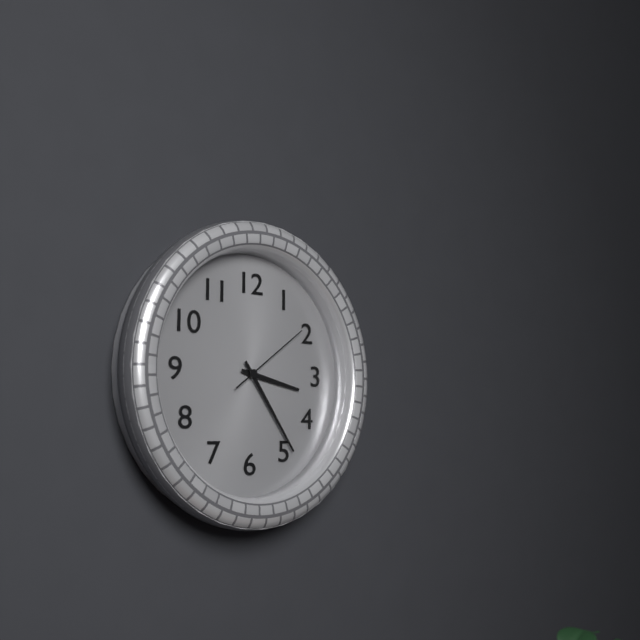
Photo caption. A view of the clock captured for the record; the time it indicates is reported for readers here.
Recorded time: 3:24:09
